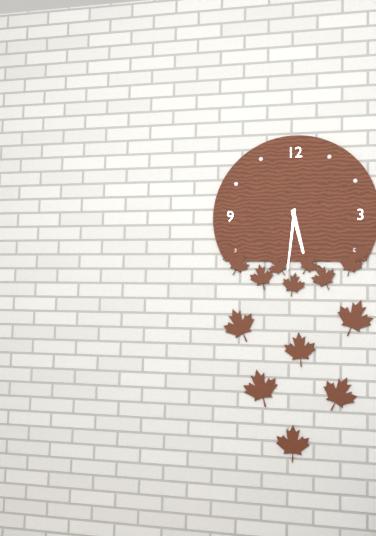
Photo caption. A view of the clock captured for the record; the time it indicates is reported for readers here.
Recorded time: 5:31
